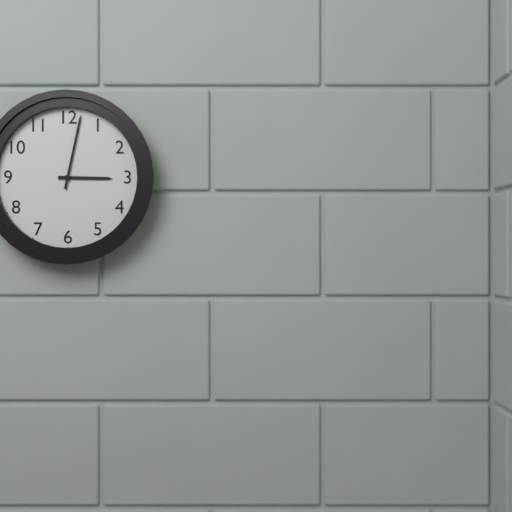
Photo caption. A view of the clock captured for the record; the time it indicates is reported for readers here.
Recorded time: 3:02
